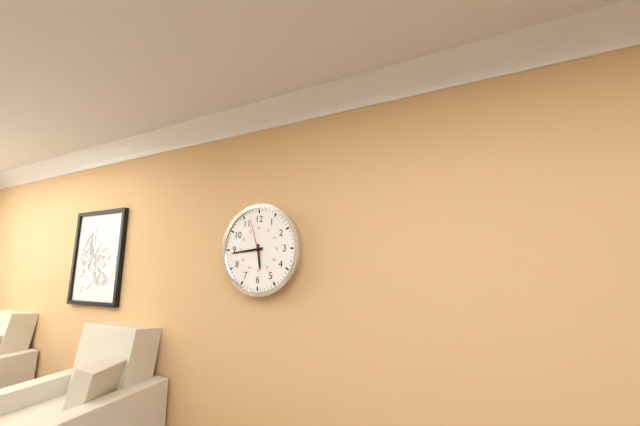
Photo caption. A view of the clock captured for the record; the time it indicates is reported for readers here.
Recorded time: 5:44
